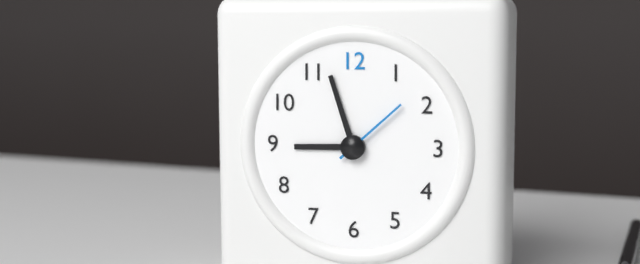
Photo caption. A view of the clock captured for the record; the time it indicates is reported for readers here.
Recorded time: 8:57:08
